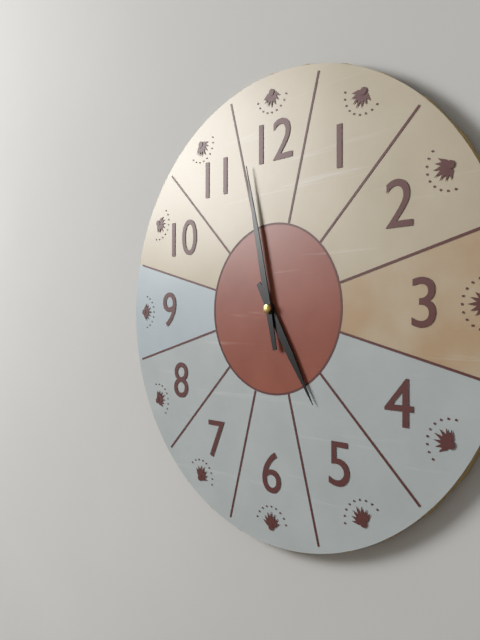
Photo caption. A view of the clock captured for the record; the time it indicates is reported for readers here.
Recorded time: 4:58
